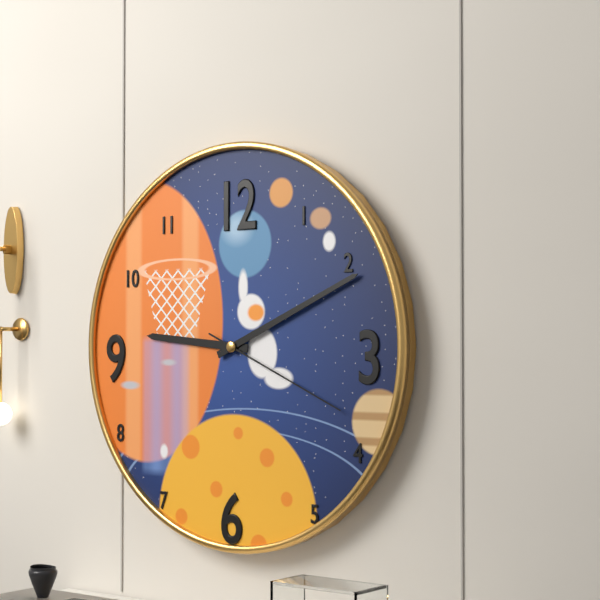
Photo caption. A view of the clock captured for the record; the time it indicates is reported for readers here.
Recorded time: 9:11:19
